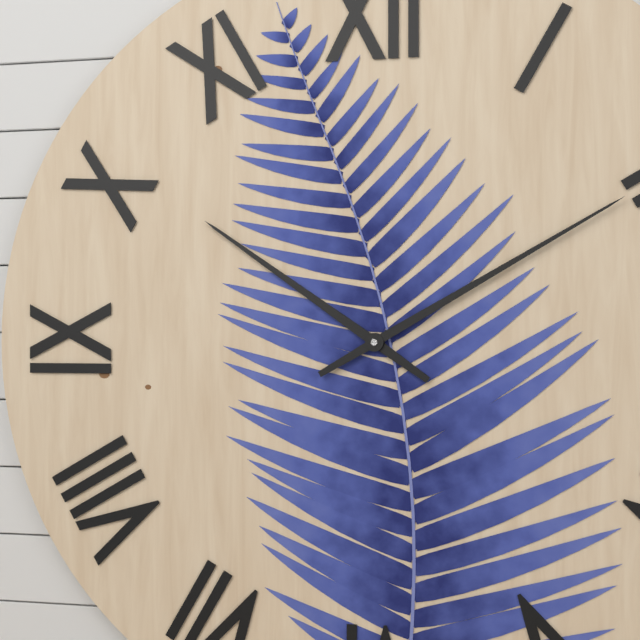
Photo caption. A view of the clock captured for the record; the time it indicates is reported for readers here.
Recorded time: 10:10
